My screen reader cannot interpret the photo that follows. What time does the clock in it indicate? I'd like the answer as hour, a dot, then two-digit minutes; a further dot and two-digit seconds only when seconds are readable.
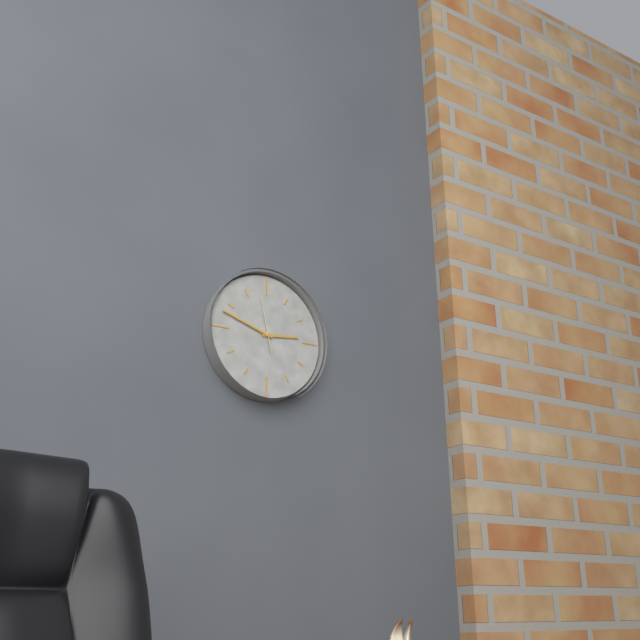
2.48
